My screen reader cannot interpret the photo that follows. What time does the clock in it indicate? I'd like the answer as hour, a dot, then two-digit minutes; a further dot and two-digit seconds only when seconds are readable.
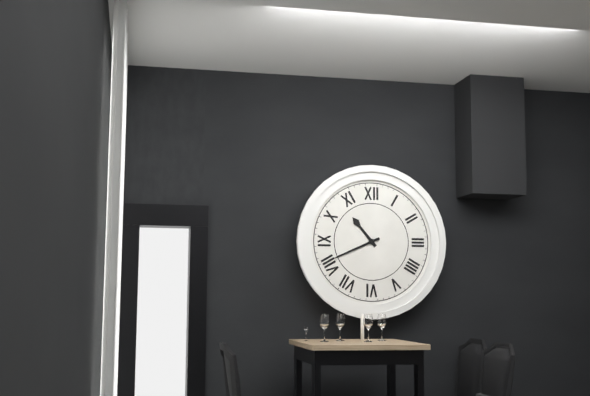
10.41
